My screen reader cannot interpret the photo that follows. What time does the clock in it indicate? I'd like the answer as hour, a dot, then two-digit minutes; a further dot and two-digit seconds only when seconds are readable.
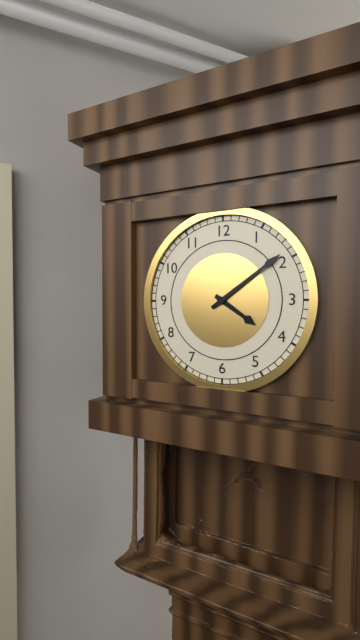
4.09
